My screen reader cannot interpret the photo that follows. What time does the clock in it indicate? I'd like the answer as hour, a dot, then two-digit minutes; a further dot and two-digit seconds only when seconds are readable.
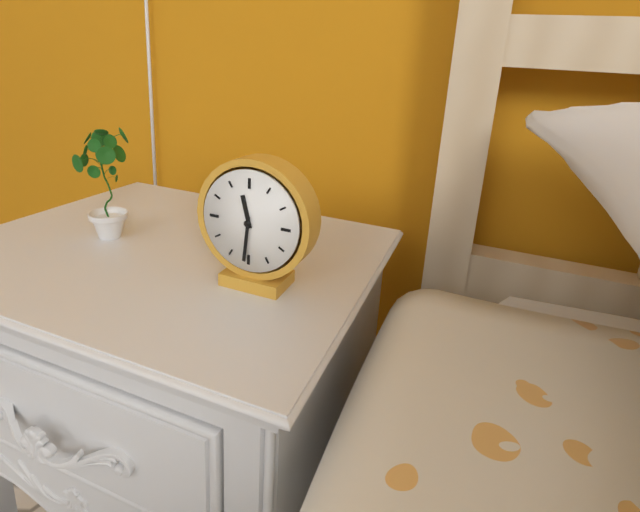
11.31
